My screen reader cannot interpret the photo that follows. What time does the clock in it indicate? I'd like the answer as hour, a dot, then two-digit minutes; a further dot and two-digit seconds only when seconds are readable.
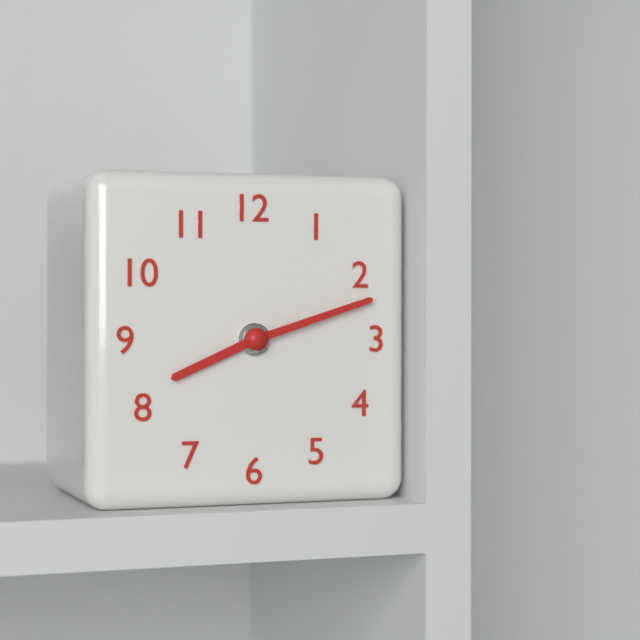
8.12
